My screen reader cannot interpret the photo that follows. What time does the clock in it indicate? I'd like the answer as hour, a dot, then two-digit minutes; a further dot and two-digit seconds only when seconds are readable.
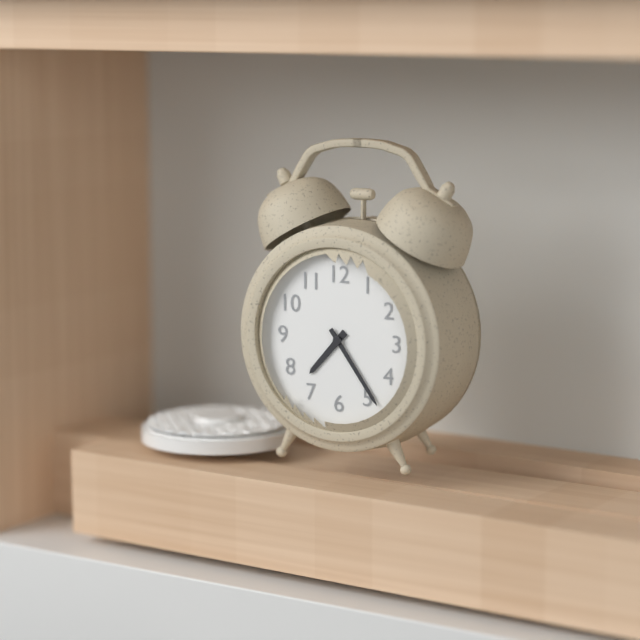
7.24
